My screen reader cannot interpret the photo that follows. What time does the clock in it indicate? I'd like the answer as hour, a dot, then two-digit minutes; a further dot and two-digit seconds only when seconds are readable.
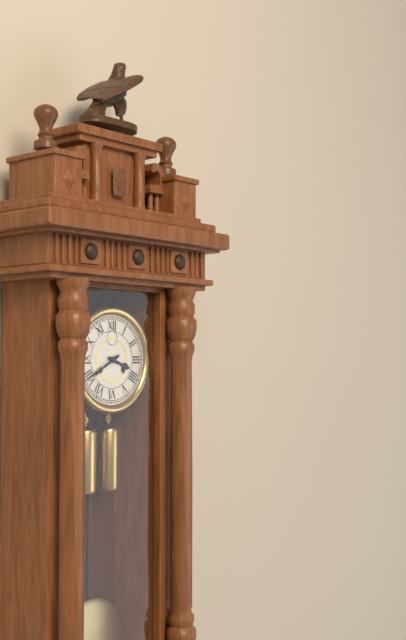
3.40
